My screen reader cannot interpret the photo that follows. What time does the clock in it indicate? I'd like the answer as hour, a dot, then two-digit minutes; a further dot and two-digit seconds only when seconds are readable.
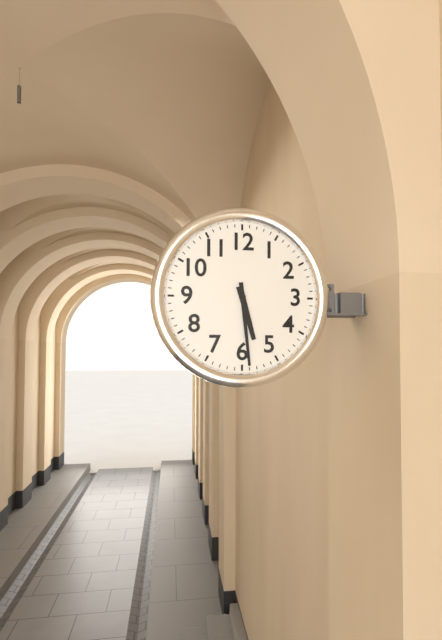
5.29
